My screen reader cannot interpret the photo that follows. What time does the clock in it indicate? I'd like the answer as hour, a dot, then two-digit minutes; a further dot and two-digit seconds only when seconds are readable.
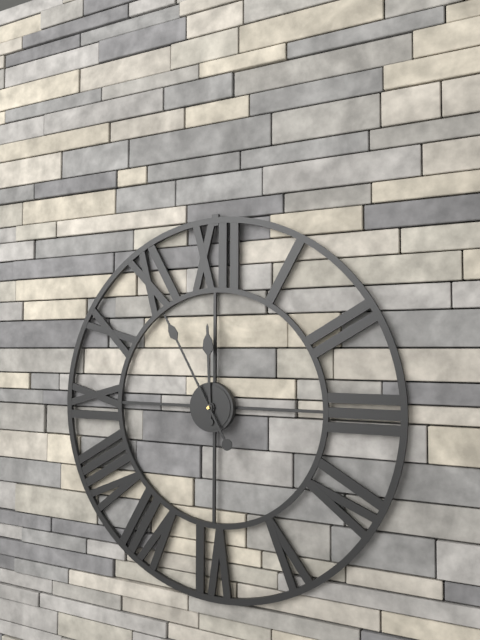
11.55
